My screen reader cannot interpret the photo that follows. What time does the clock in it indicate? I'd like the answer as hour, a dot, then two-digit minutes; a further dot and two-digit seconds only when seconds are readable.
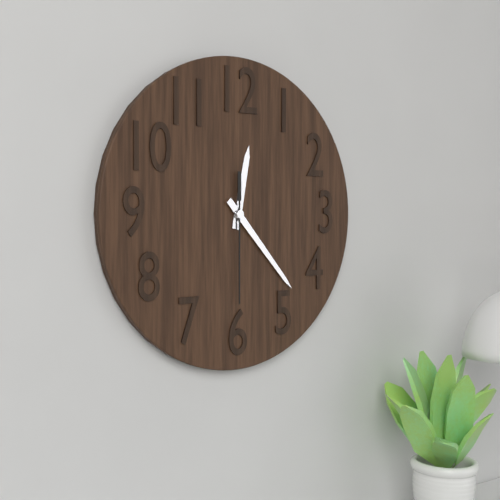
12.23.30
